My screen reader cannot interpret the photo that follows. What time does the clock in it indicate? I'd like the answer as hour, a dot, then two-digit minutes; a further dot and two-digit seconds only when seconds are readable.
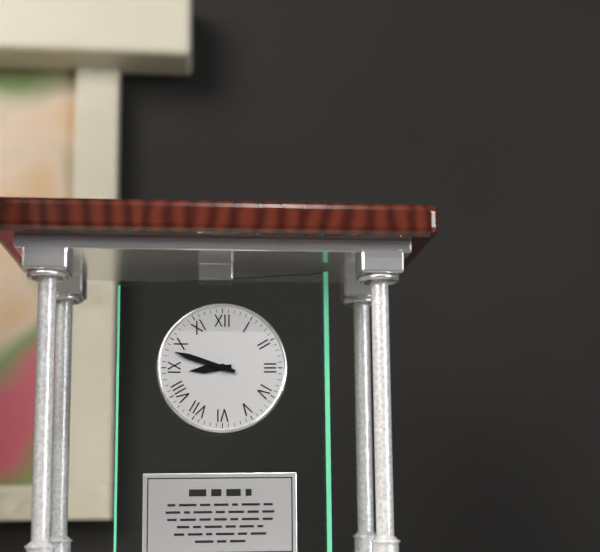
8.48
